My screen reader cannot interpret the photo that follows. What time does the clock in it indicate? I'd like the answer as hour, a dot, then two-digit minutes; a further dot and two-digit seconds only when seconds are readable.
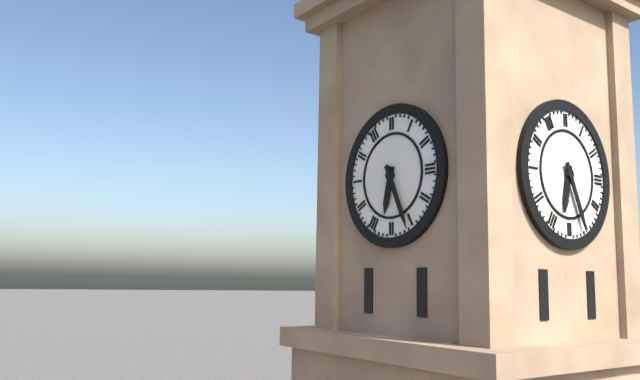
6.26
